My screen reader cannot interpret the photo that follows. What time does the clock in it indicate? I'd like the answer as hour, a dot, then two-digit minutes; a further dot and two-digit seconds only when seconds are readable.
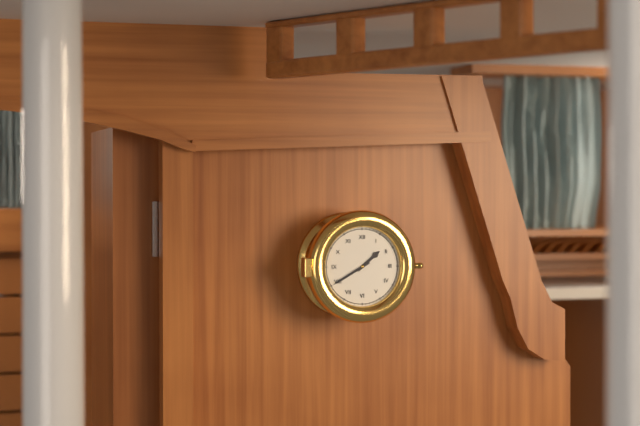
1.40
